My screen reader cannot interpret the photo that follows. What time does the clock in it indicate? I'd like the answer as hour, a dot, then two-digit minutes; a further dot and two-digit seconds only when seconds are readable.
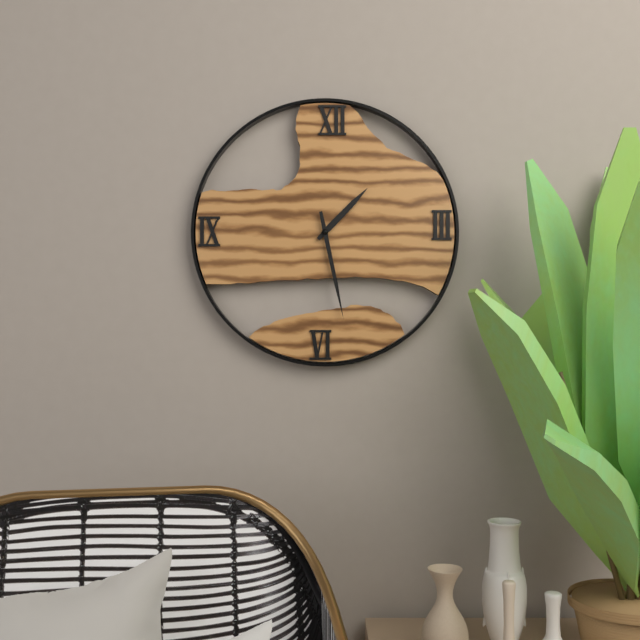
1.28
